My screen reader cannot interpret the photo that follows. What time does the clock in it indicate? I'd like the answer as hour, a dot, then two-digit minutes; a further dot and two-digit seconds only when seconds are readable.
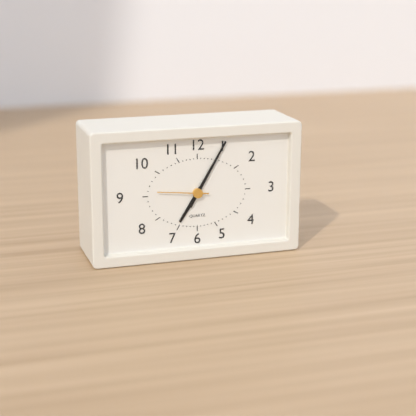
7.05.46
